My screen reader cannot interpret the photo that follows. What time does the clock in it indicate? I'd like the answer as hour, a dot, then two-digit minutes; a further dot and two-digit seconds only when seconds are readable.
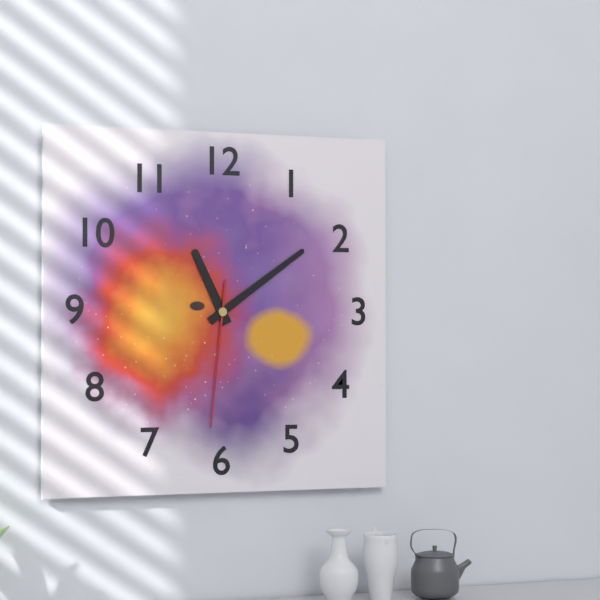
11.09.31
